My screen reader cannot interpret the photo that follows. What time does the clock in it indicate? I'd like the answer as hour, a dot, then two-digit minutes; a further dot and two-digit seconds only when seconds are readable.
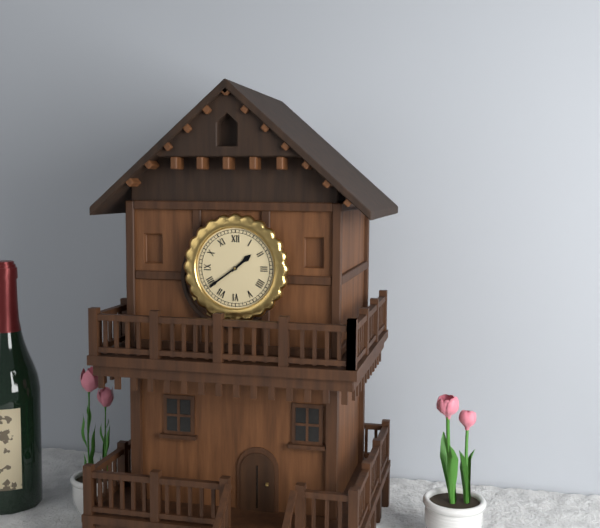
1.39
